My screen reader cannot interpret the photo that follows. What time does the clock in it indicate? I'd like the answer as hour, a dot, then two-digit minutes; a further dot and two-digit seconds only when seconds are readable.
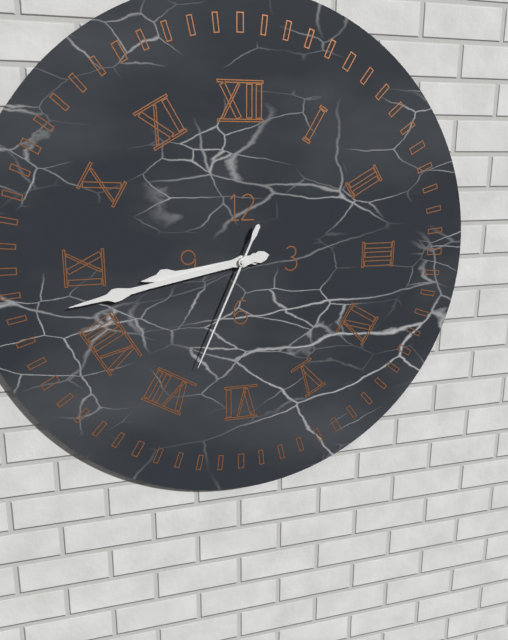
8.43.34
